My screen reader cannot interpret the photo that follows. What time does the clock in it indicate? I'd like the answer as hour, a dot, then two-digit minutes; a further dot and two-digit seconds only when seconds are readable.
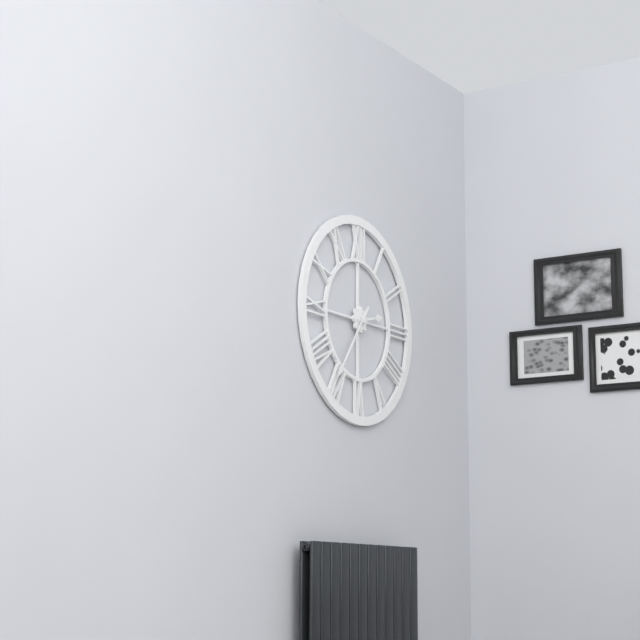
2.36
